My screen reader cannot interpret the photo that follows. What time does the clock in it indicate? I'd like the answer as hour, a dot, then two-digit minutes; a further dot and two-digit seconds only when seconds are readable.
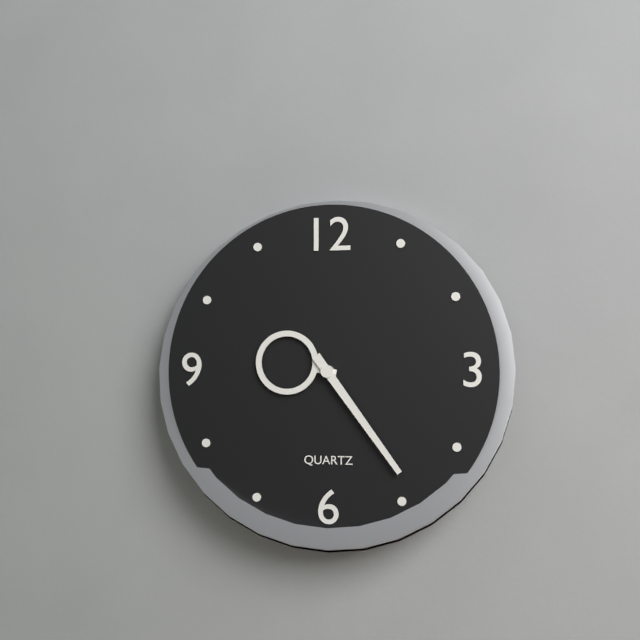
9.24
